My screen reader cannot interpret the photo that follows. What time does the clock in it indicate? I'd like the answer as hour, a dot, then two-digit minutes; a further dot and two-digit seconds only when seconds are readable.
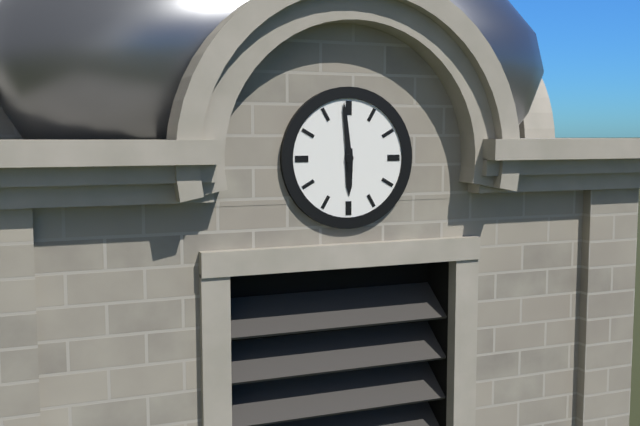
5.59
